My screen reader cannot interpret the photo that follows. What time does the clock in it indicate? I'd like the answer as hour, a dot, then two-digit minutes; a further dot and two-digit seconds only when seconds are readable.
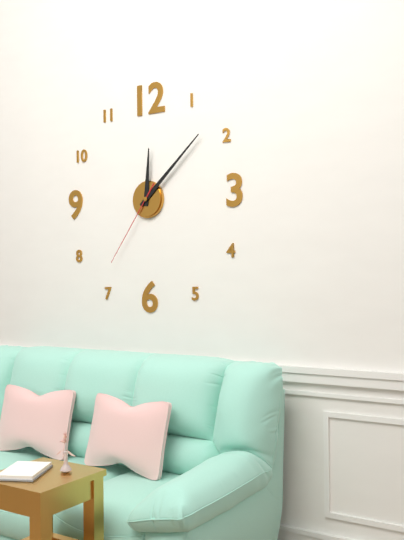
12.08.36
